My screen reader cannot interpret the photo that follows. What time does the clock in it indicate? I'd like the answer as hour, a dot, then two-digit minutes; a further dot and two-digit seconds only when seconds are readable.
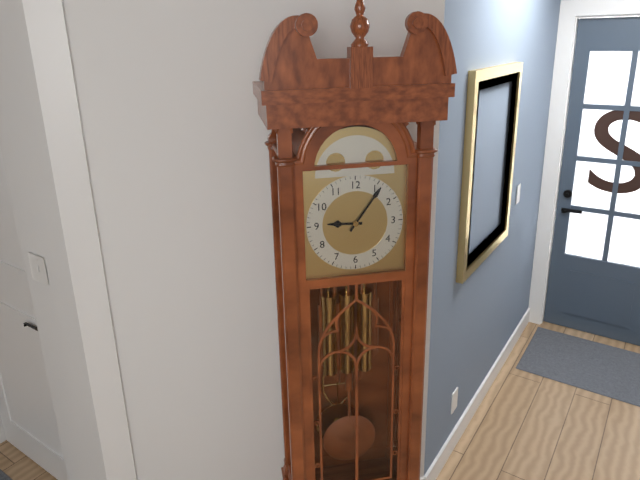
9.06
